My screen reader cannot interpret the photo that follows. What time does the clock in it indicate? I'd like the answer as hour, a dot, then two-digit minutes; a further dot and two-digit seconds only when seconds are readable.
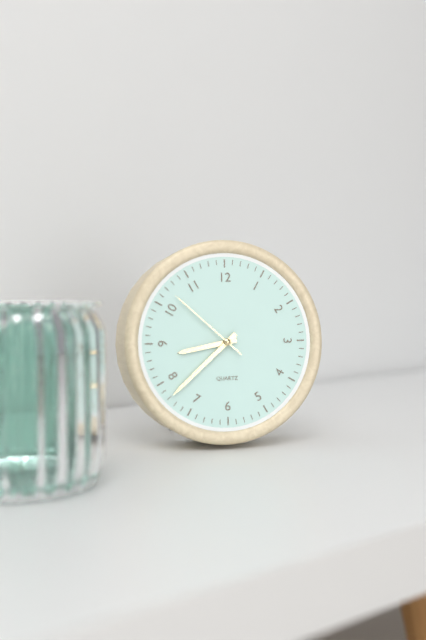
8.38.52
